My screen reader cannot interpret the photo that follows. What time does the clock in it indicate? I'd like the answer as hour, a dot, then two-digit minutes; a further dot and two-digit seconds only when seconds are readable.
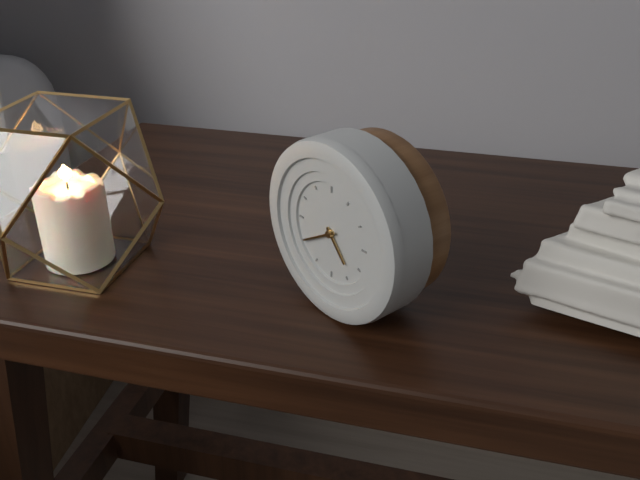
4.40
